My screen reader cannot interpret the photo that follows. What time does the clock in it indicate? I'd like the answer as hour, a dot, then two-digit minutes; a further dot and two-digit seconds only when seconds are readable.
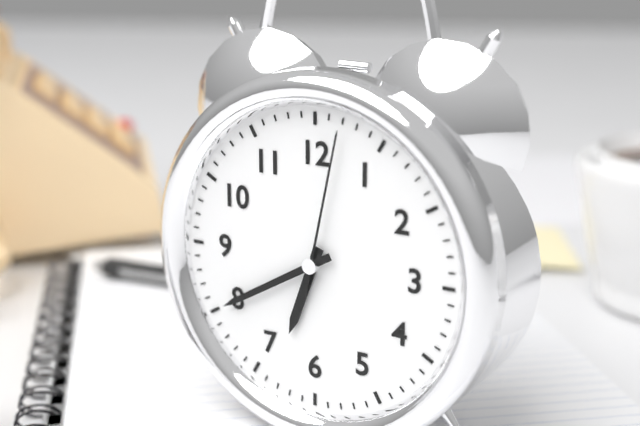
6.40.02
